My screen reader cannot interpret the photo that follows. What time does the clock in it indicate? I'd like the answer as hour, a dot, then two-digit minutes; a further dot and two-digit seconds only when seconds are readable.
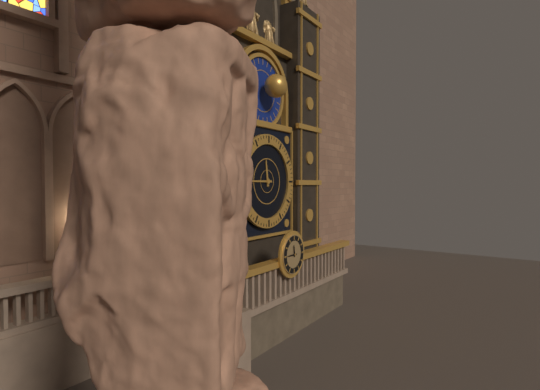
11.45
